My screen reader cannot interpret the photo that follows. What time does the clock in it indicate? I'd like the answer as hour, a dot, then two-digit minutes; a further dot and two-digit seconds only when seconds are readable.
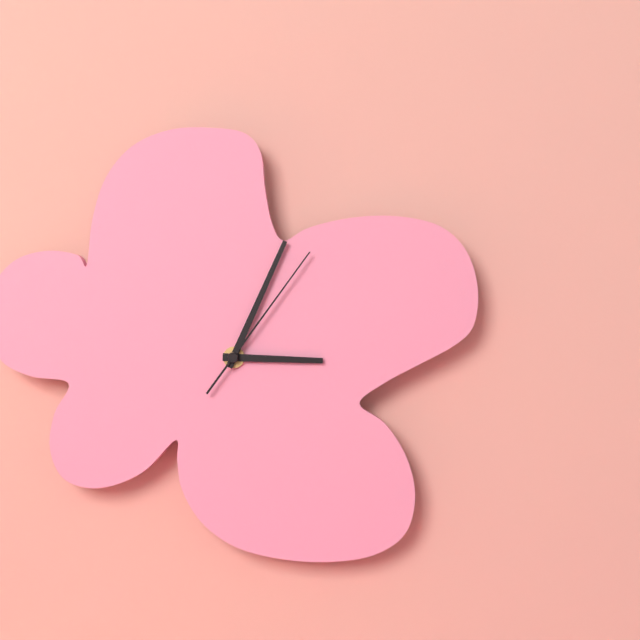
3.04.06
